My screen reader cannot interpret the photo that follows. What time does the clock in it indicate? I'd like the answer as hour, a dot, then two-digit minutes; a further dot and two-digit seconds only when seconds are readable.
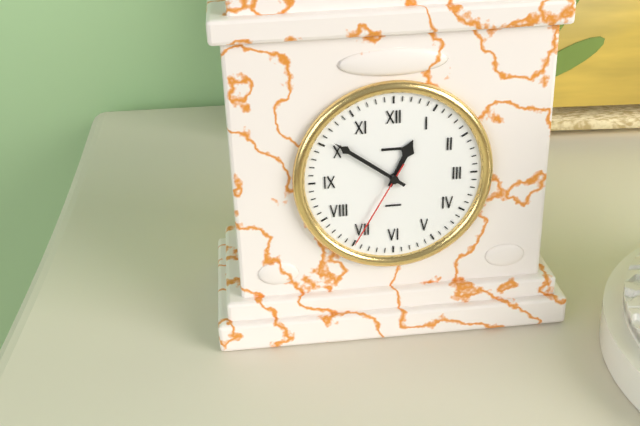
12.51.35
